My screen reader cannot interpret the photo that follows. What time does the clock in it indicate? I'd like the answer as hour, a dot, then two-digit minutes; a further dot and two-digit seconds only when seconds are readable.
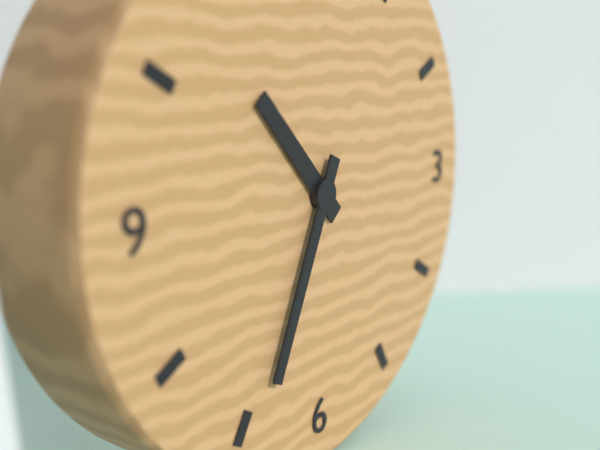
10.34
